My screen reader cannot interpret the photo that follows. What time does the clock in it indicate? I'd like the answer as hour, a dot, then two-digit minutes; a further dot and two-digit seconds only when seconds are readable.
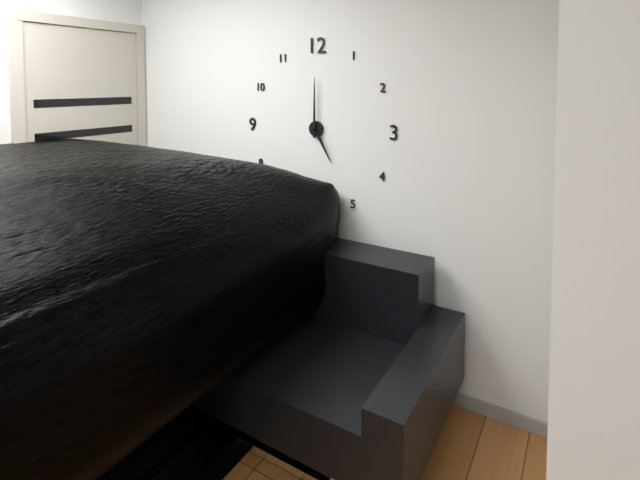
5.00
